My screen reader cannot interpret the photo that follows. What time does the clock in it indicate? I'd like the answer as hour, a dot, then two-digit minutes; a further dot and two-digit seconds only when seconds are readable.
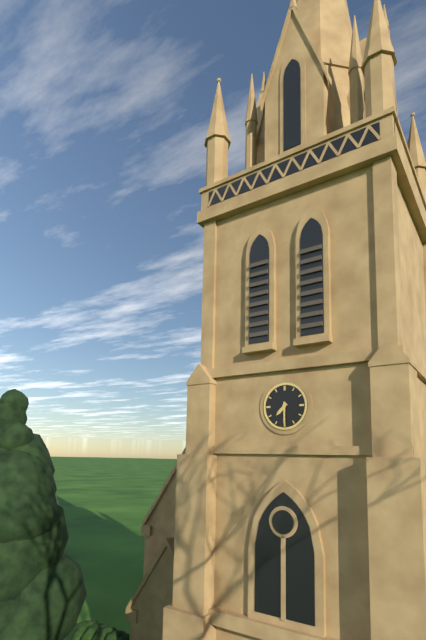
7.30
